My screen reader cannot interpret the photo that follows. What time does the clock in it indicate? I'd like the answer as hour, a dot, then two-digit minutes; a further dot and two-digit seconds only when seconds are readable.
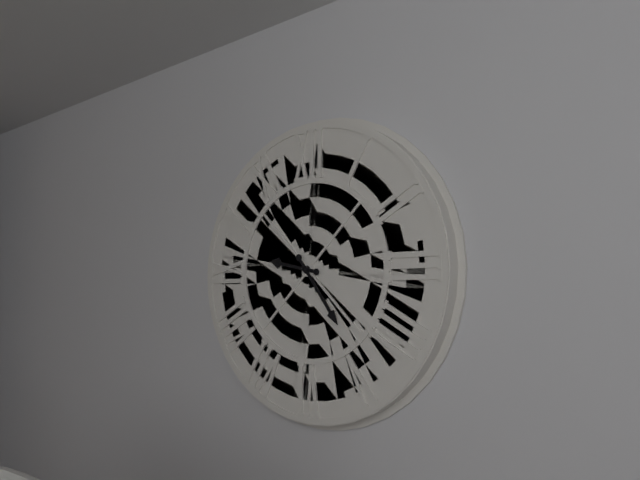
9.24
